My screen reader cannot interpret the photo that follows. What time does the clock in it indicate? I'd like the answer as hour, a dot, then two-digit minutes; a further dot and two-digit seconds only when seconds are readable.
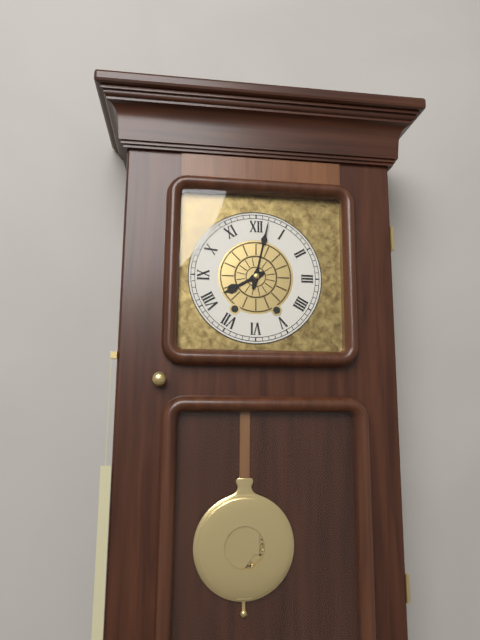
8.02
